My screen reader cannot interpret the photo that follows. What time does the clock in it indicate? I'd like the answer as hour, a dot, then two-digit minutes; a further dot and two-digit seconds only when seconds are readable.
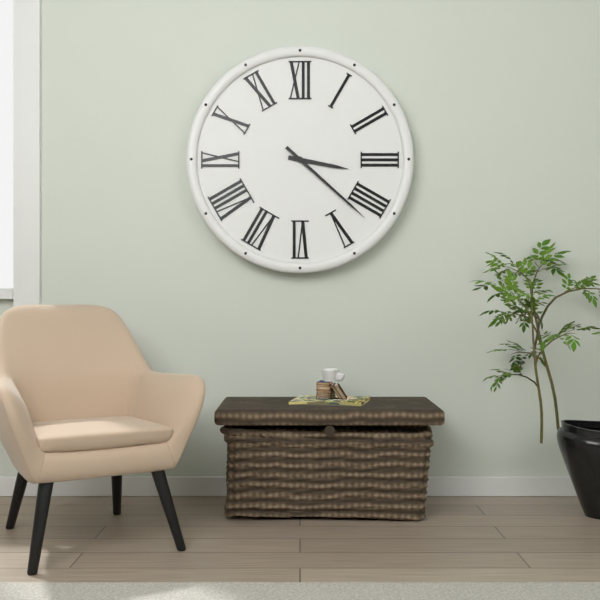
3.22
